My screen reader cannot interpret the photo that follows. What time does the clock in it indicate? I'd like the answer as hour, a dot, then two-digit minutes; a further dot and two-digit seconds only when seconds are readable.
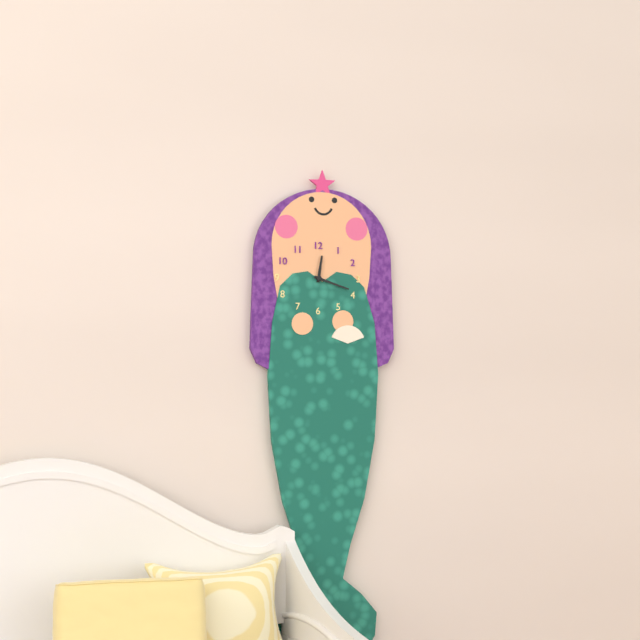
12.18
